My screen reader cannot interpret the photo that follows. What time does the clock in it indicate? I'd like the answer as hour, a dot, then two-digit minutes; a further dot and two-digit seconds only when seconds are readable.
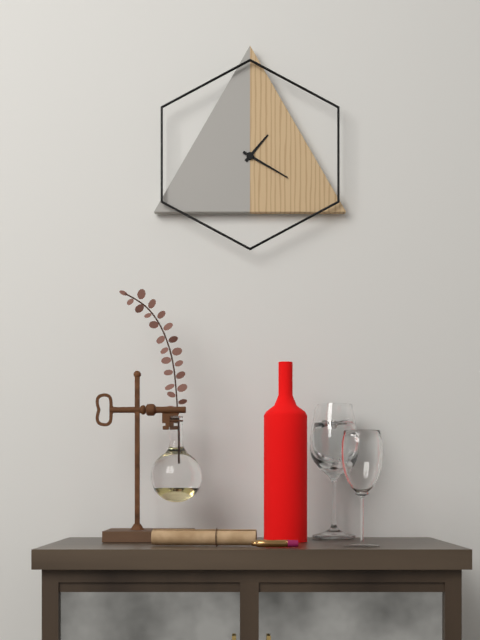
1.20
